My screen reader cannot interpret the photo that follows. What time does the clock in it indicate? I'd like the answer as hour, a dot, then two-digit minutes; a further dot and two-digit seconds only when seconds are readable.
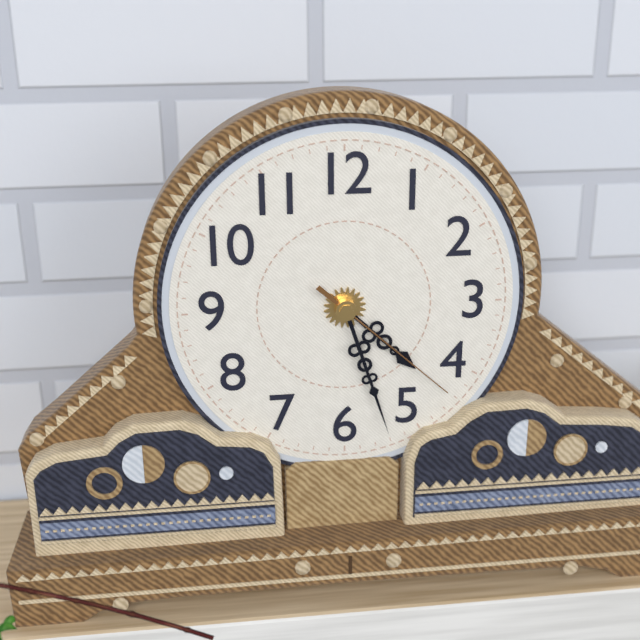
4.27.22
